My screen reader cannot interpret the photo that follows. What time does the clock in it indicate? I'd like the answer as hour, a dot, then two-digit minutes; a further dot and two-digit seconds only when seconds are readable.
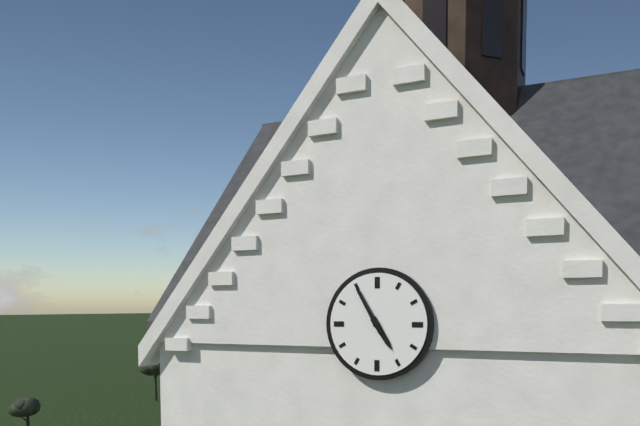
4.55
